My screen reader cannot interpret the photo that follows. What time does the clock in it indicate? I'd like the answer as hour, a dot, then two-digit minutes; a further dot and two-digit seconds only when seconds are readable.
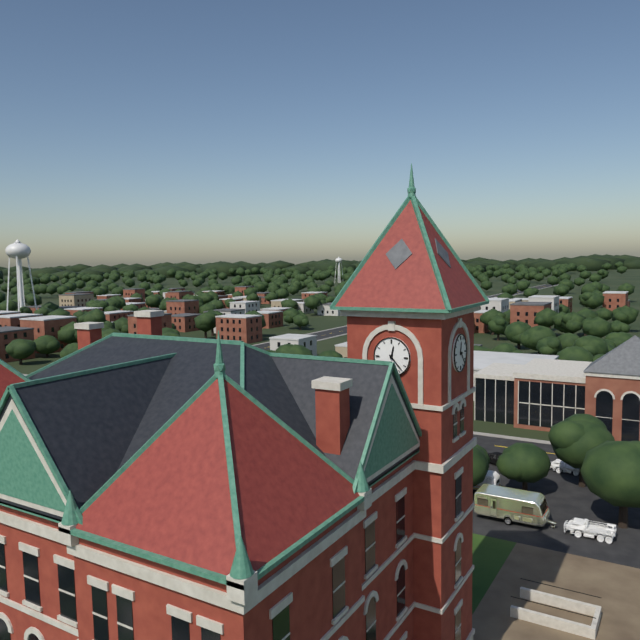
12.23
